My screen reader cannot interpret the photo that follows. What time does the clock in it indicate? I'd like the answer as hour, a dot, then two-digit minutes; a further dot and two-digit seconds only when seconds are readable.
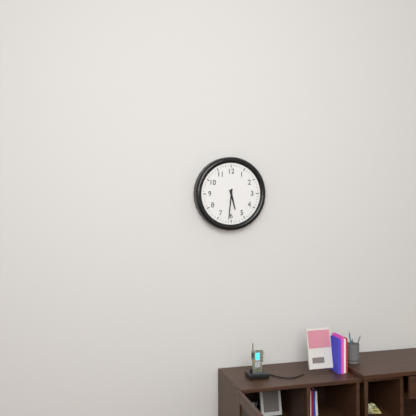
5.31
